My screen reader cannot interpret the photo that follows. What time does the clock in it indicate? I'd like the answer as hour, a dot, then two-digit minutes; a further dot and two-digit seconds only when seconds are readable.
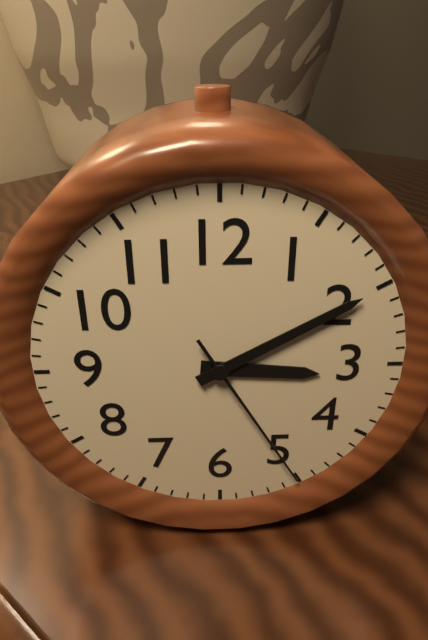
3.10.25
